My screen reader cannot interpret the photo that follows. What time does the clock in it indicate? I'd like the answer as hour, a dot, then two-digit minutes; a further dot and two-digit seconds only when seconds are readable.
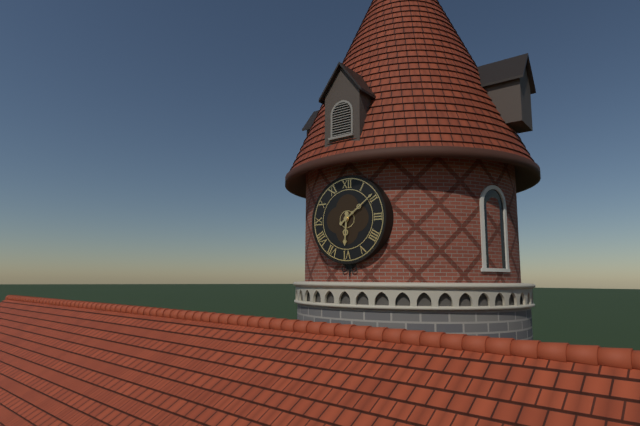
6.09
